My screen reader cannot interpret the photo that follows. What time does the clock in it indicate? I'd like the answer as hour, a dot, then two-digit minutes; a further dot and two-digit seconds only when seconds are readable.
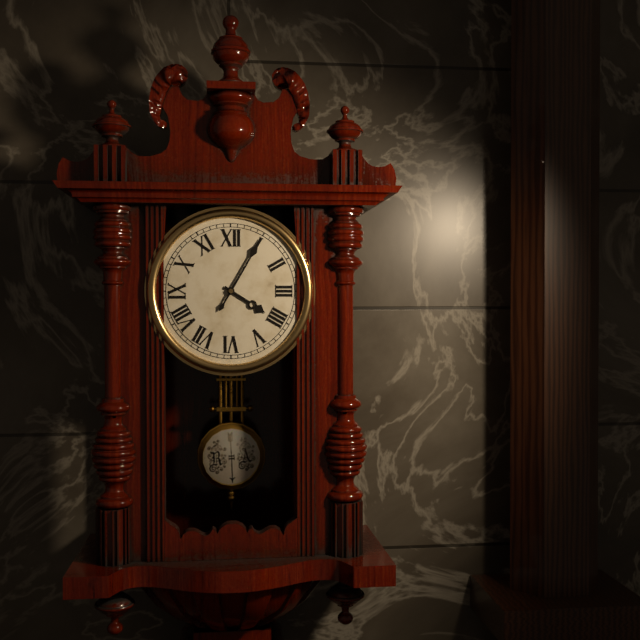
4.05
